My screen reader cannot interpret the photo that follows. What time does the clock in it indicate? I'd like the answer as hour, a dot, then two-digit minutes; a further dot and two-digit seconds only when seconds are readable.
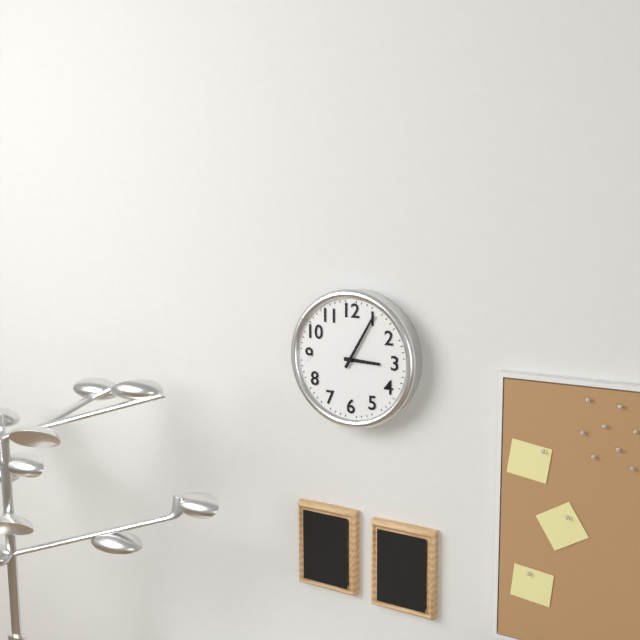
3.05
